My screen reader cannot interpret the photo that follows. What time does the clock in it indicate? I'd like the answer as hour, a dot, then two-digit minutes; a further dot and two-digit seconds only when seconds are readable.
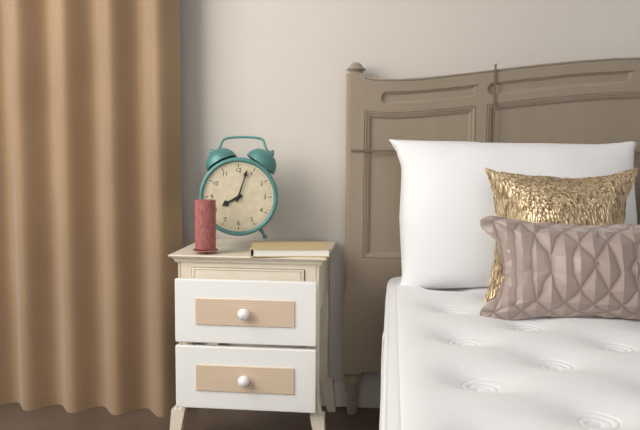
8.03
